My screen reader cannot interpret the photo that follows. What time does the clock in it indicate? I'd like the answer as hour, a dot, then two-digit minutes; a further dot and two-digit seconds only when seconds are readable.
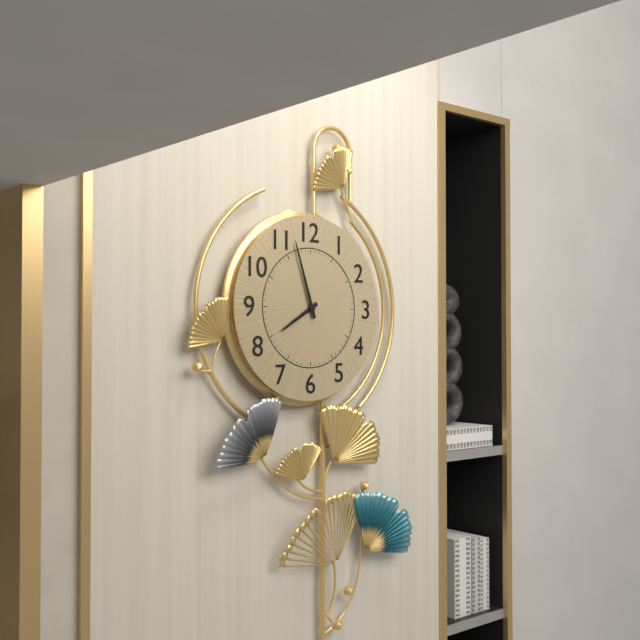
7.57
